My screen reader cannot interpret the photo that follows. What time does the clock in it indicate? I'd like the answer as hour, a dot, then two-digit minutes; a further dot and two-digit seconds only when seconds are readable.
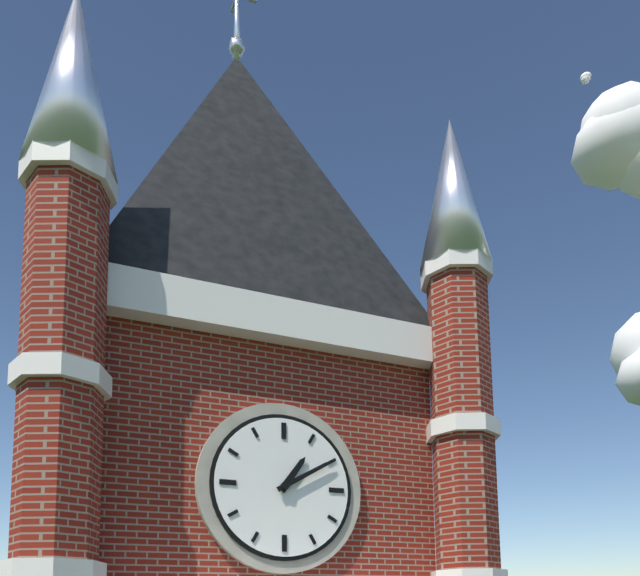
1.10
